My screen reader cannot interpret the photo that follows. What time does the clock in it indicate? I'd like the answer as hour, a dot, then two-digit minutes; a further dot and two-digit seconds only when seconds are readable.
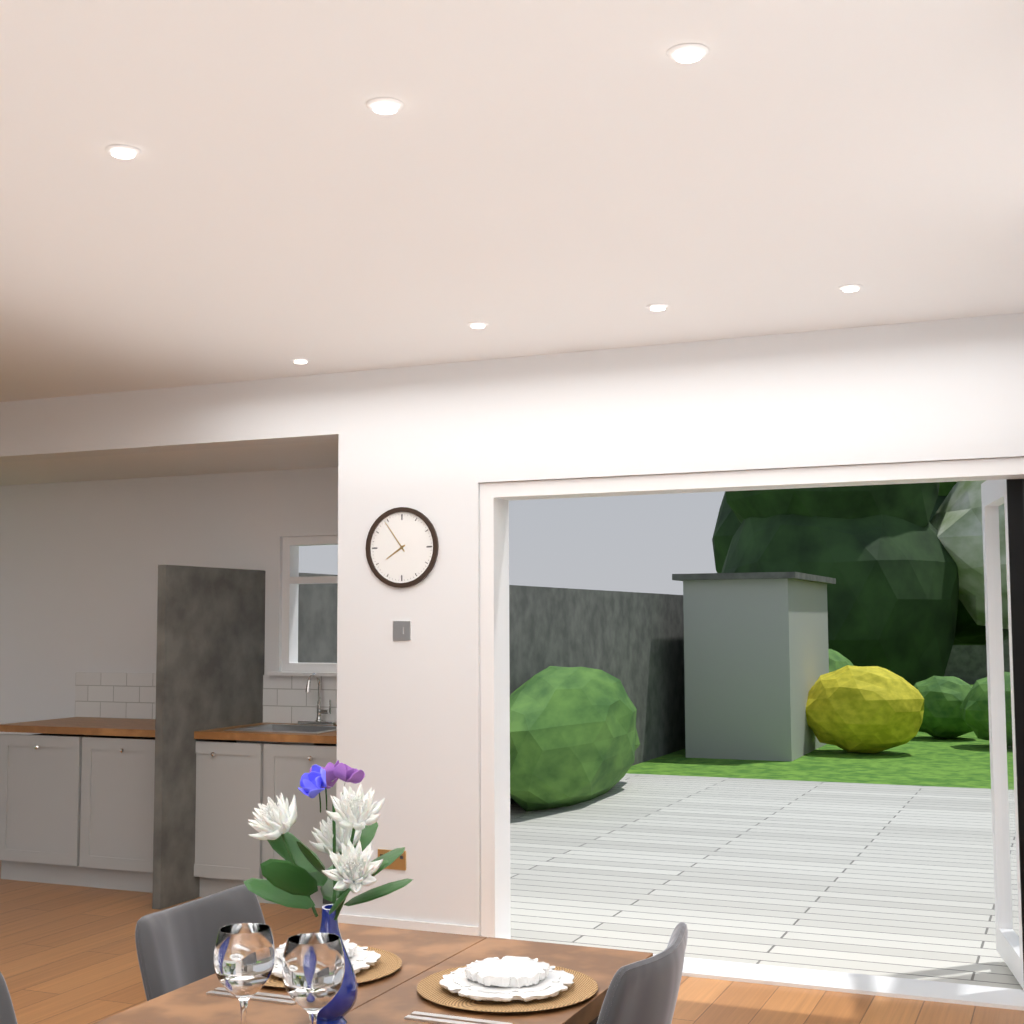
7.54
